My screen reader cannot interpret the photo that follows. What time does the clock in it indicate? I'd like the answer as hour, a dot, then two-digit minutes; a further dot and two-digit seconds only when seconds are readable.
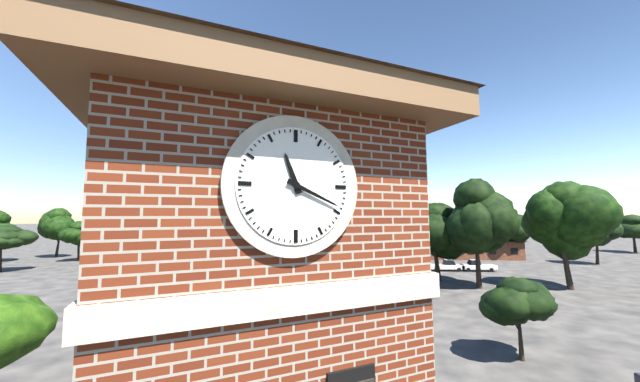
11.19
